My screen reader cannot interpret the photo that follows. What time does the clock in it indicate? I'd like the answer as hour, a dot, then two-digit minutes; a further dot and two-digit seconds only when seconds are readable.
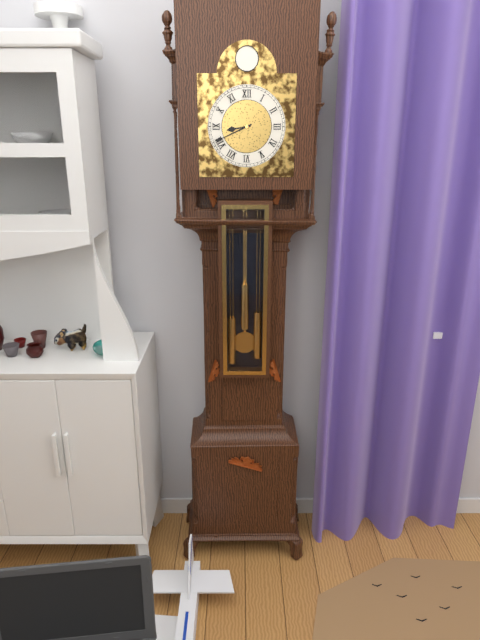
8.41
